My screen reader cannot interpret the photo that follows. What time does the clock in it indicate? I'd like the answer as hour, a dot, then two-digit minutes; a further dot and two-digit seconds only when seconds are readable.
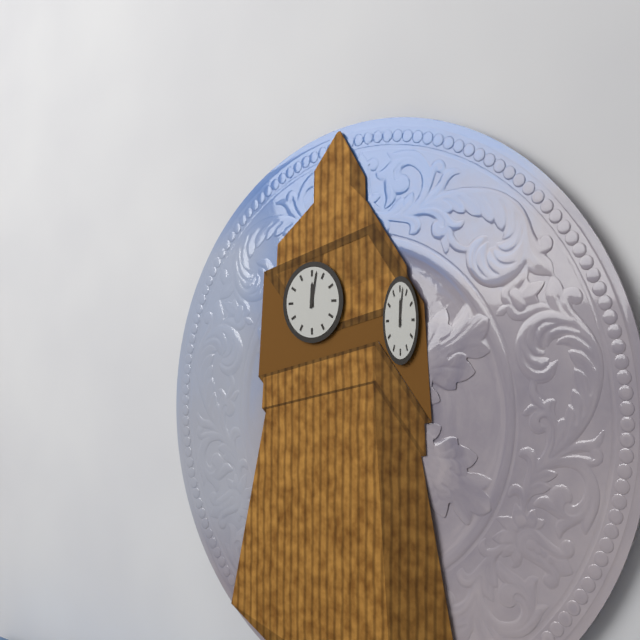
12.02
